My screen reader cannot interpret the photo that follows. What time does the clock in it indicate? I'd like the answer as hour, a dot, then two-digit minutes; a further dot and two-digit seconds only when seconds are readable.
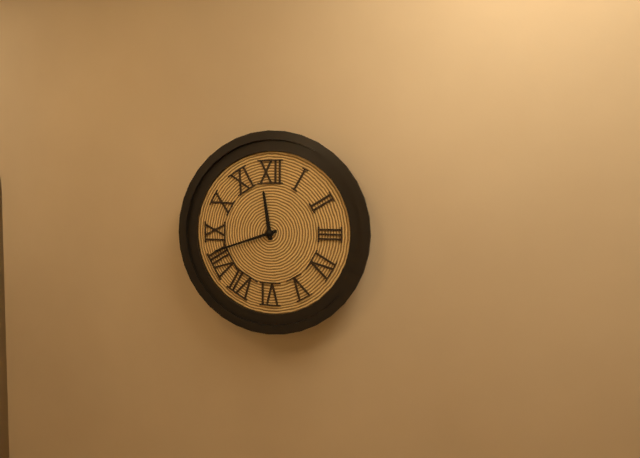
11.42
